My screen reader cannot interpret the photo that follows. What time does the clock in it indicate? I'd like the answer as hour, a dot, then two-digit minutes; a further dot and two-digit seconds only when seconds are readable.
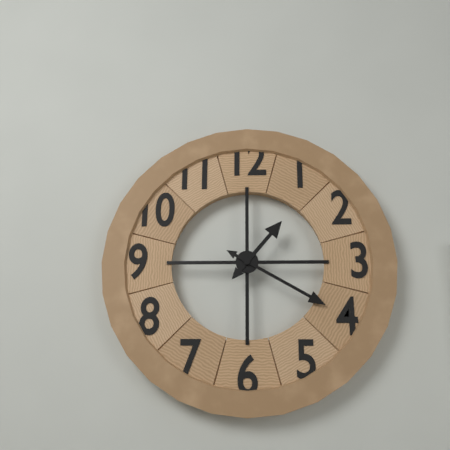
1.20
